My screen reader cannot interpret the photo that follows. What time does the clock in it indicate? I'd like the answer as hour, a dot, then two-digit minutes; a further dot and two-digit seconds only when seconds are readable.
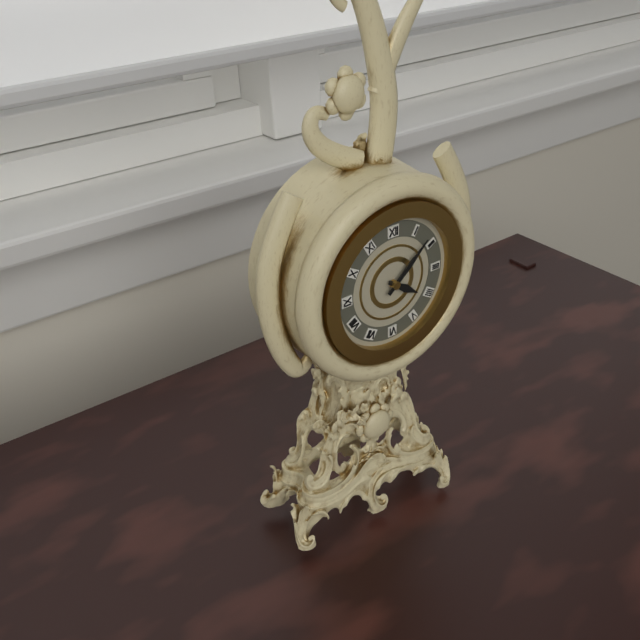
4.08
